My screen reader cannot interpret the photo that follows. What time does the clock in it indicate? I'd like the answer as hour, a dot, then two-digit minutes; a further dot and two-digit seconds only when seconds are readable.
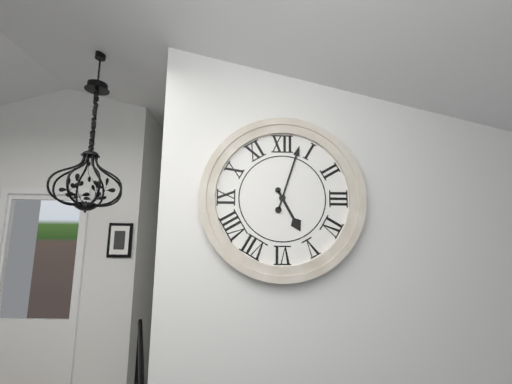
5.03
